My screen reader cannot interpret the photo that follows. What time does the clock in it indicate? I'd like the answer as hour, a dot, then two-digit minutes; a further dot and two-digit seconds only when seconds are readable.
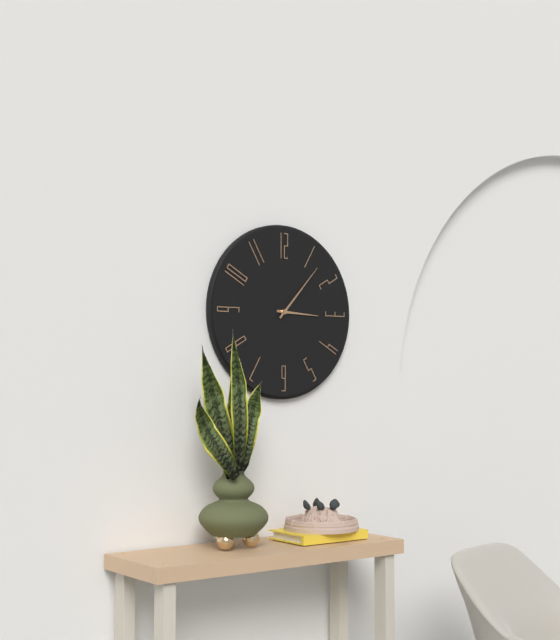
3.07
